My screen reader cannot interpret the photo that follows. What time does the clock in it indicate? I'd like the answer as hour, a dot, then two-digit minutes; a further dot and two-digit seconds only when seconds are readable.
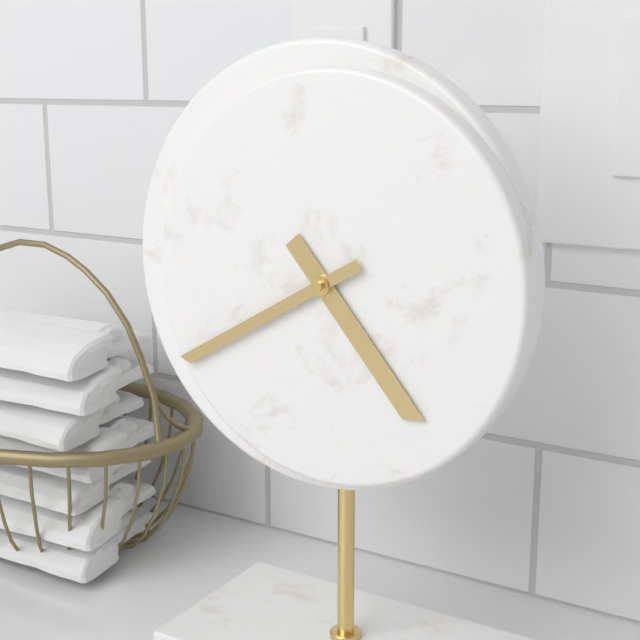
4.40
